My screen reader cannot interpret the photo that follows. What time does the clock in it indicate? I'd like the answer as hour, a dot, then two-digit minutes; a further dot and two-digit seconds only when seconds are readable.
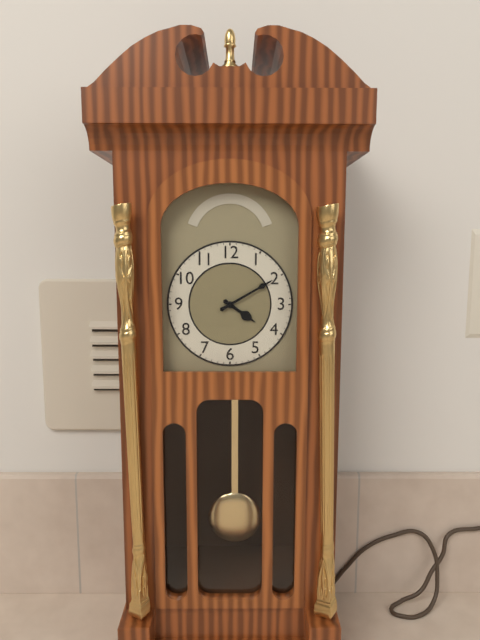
4.10
